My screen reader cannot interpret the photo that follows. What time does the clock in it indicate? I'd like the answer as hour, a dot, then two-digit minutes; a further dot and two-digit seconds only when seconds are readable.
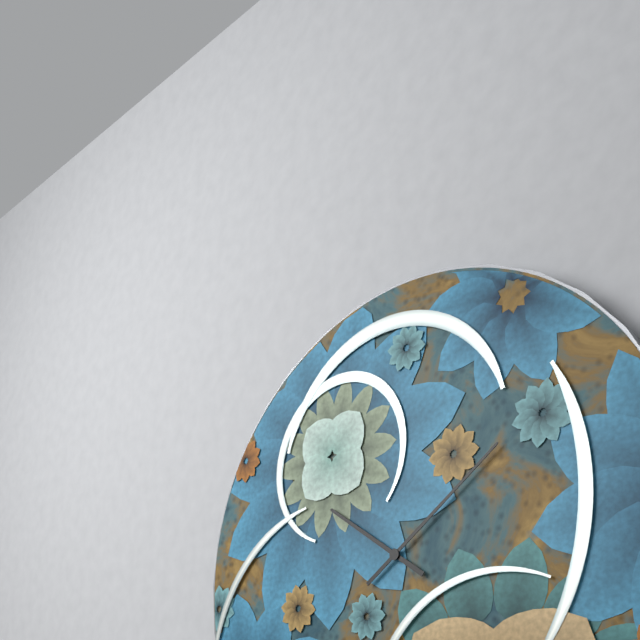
10.09
